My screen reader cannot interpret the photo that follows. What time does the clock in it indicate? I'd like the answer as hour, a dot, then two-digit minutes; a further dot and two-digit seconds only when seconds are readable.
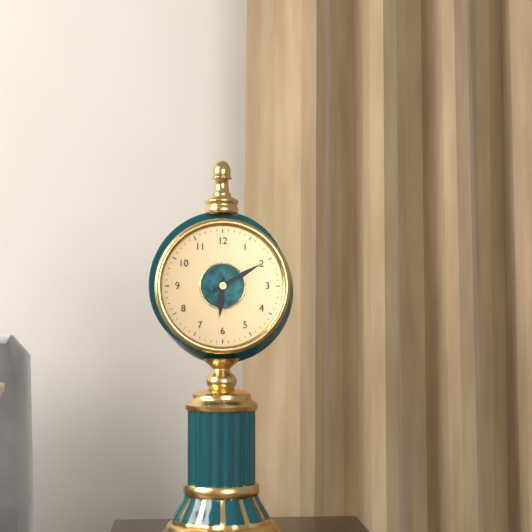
6.10
